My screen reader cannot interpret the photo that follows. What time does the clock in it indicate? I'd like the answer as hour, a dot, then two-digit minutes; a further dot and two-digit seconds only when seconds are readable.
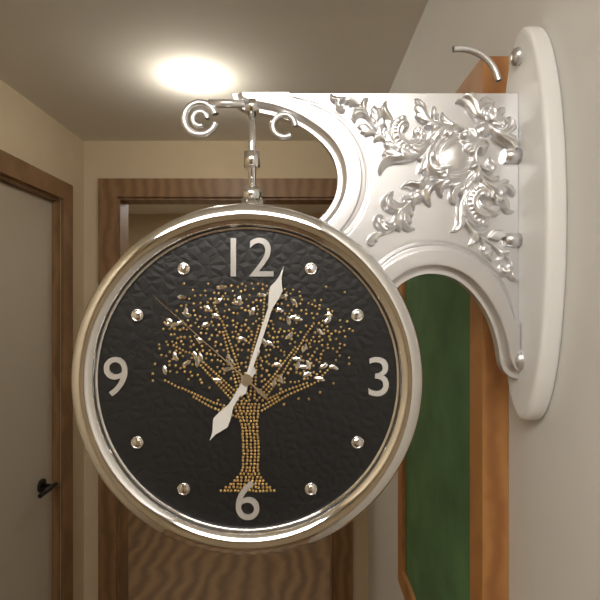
7.03.52
